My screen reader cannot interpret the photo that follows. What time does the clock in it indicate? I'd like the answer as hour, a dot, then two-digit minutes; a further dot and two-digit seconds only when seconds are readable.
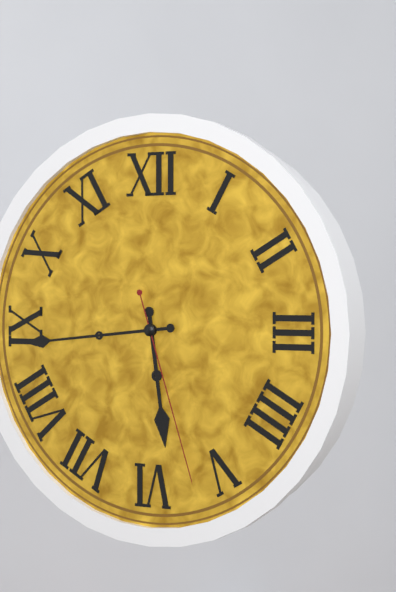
5.44.27
